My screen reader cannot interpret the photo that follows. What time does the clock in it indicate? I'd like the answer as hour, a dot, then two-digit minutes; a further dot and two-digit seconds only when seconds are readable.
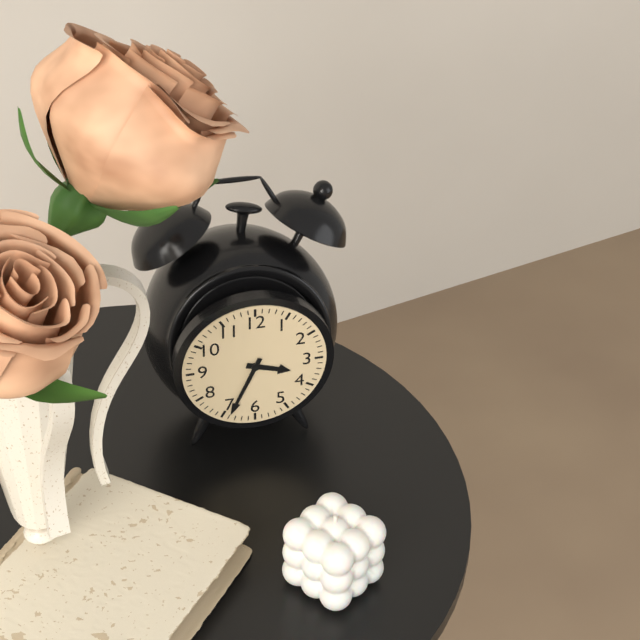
3.34
